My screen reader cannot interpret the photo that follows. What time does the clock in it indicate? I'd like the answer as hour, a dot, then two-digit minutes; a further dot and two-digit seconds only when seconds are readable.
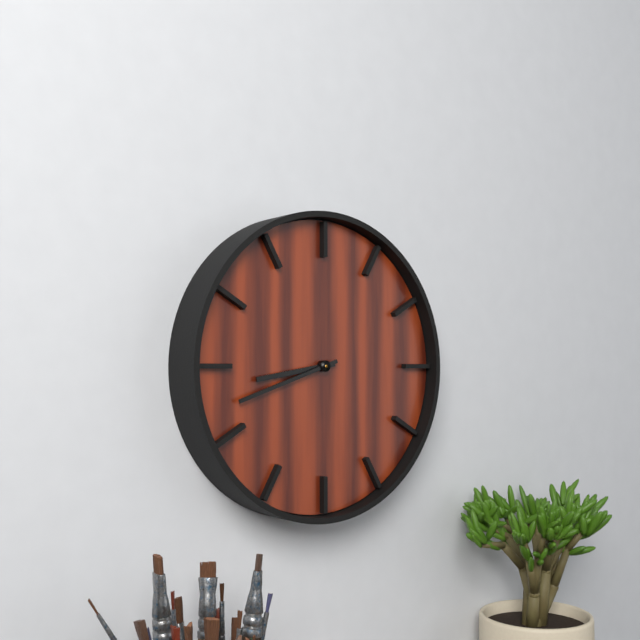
8.42
